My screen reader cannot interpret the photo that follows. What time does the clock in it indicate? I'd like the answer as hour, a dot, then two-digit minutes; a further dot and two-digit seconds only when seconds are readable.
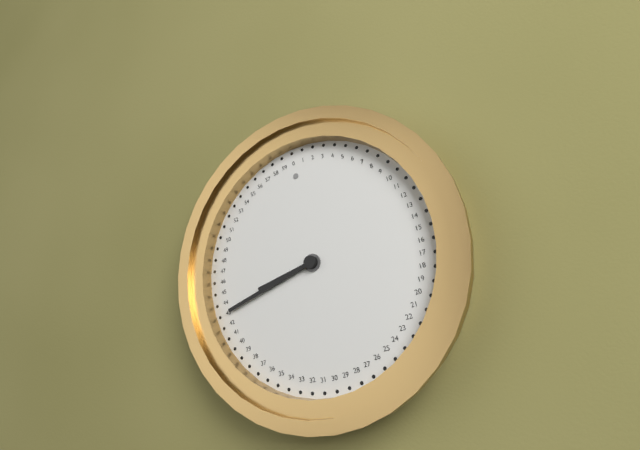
8.43
